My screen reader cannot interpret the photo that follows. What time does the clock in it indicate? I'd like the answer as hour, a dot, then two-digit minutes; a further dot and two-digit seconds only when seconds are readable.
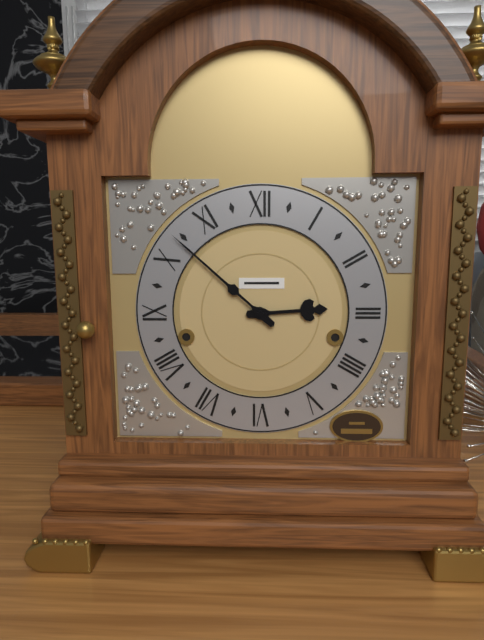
2.52
